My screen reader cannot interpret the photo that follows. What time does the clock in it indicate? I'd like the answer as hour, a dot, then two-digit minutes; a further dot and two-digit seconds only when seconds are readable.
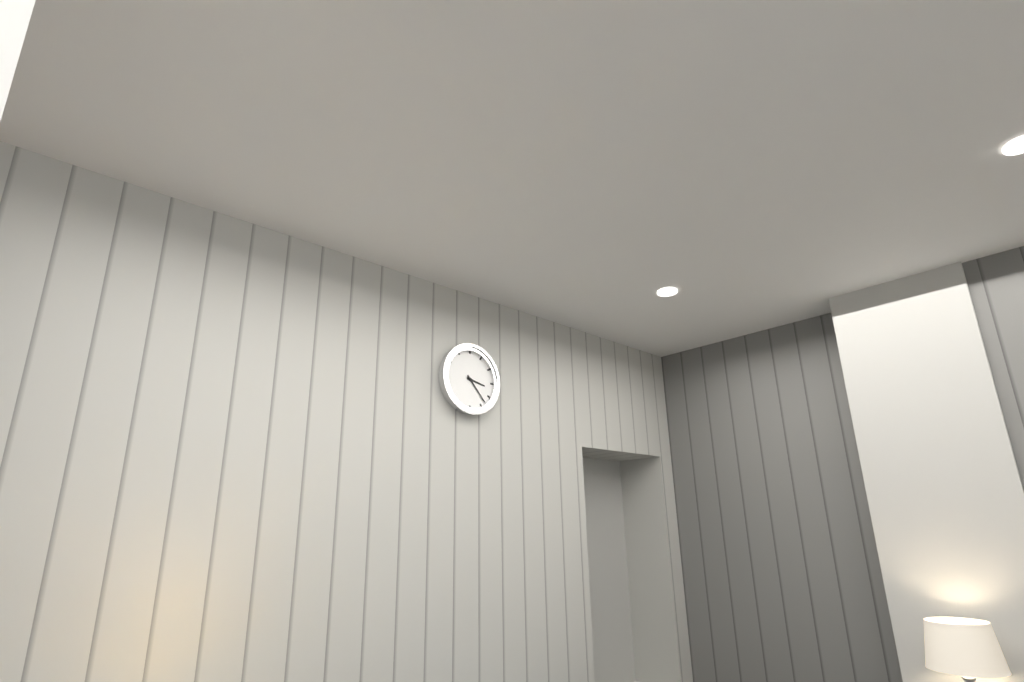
3.23
